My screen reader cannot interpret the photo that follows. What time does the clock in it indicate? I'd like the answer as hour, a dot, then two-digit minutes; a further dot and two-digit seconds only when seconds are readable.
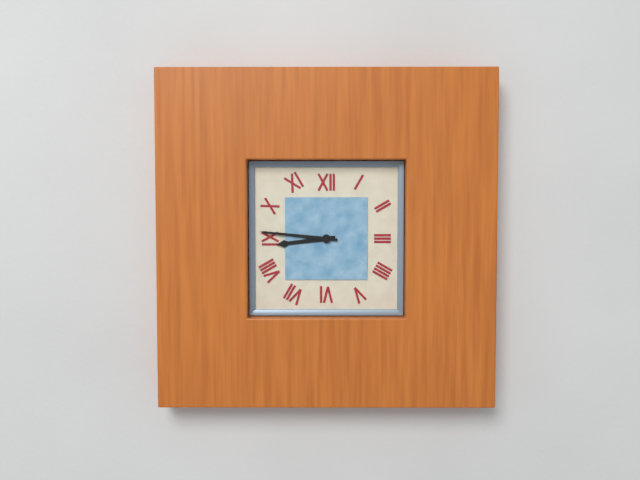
8.46
